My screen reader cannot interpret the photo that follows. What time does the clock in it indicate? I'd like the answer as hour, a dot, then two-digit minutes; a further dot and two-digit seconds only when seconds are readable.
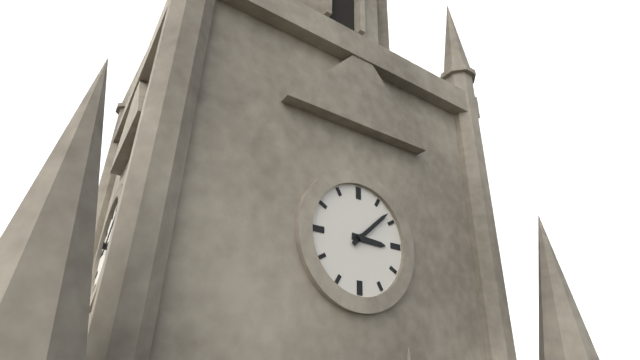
3.08
